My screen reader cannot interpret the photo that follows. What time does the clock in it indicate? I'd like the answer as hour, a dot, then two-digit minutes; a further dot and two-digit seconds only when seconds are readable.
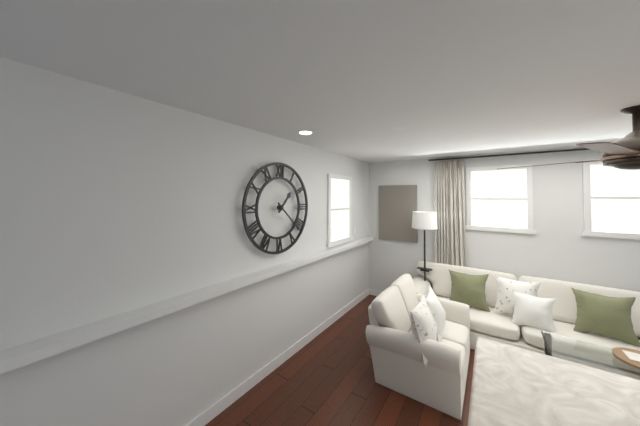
1.22
